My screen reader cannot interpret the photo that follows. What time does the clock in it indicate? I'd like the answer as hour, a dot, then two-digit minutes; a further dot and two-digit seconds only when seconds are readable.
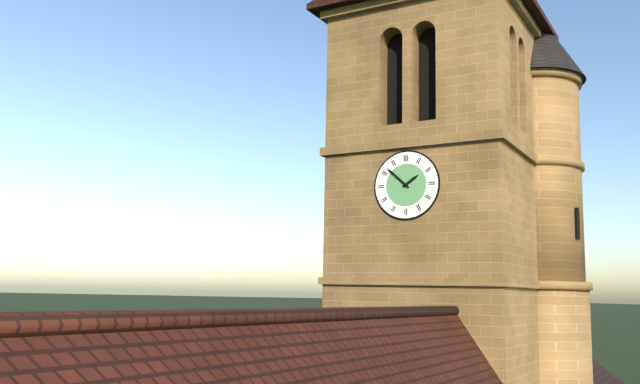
1.52
